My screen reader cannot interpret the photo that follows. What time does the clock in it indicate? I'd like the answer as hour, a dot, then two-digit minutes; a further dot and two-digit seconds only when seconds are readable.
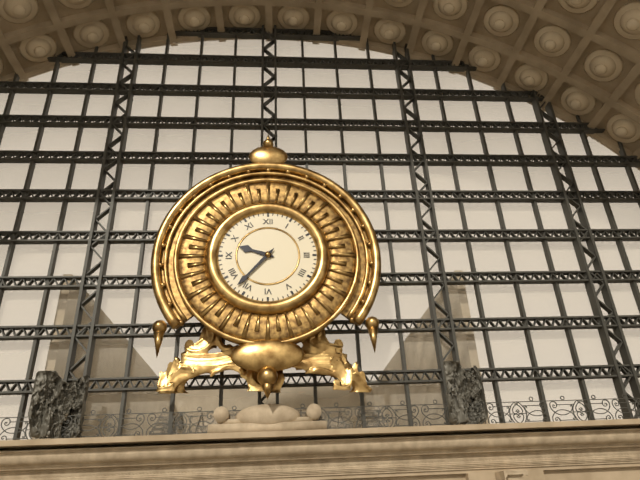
9.37
